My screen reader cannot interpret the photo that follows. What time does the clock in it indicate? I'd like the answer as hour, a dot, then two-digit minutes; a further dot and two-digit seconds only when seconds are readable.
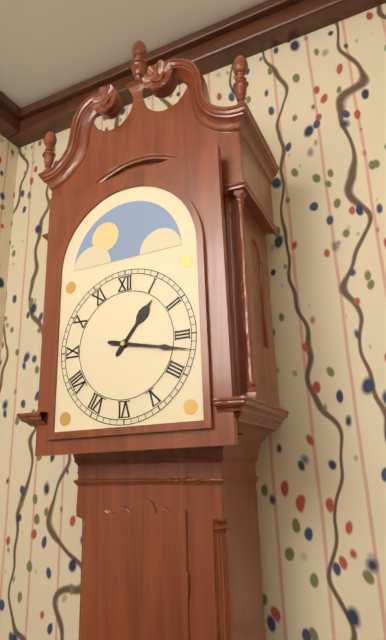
1.17
